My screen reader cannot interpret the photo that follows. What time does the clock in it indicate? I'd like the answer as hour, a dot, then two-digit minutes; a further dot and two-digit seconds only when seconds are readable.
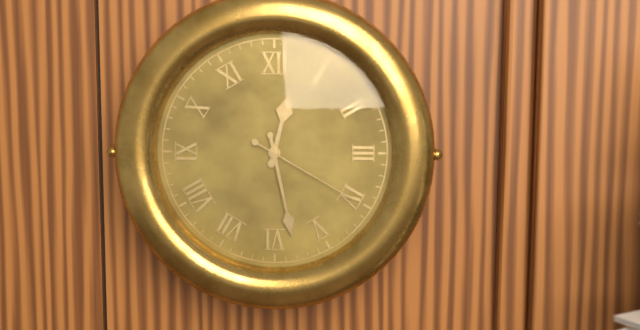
12.28.20
